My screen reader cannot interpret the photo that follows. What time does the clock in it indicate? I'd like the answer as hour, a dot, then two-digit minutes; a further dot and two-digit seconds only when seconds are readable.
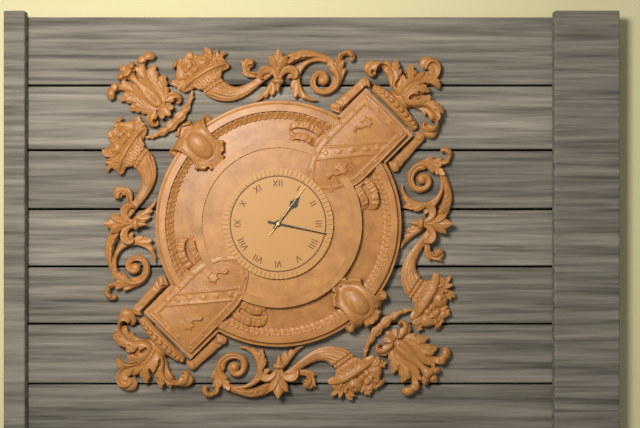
1.17.06
